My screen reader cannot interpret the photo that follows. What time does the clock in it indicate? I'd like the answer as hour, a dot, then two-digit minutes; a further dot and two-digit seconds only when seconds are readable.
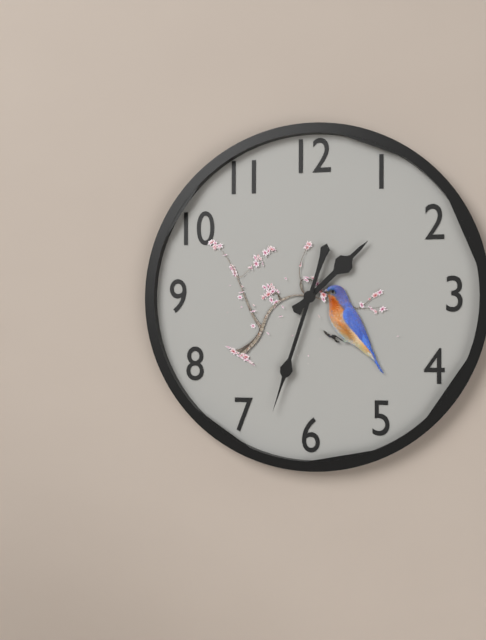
1.33
